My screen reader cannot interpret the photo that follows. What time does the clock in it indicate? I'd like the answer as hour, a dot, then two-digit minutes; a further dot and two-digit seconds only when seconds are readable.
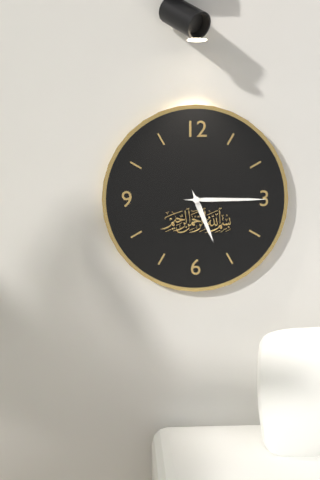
5.15
